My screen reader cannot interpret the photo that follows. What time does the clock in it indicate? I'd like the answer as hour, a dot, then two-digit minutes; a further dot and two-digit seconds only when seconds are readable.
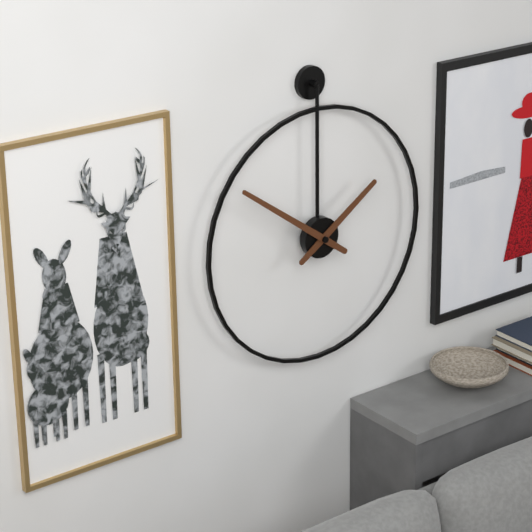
1.51
